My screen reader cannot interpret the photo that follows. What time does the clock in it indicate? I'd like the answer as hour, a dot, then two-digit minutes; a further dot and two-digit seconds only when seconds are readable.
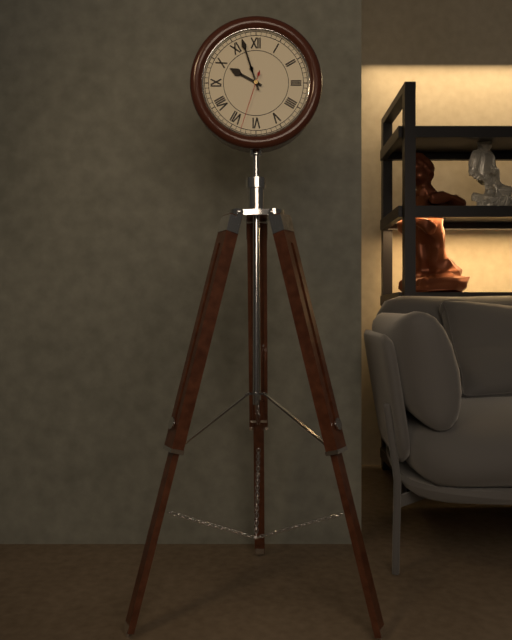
9.57.33
